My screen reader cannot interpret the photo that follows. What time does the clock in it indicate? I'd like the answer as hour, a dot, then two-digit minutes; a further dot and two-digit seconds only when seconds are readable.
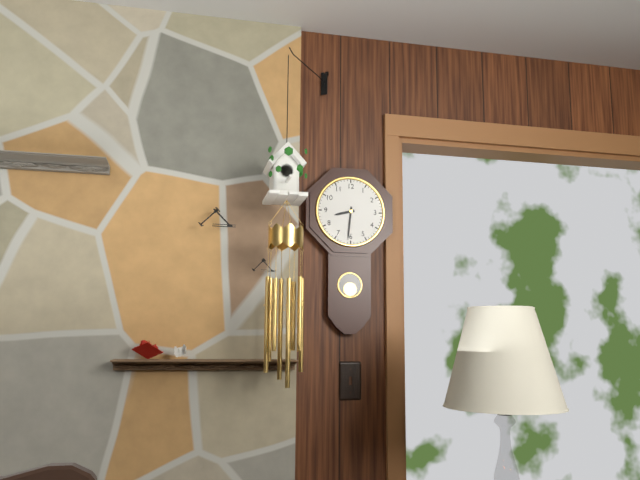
8.31
